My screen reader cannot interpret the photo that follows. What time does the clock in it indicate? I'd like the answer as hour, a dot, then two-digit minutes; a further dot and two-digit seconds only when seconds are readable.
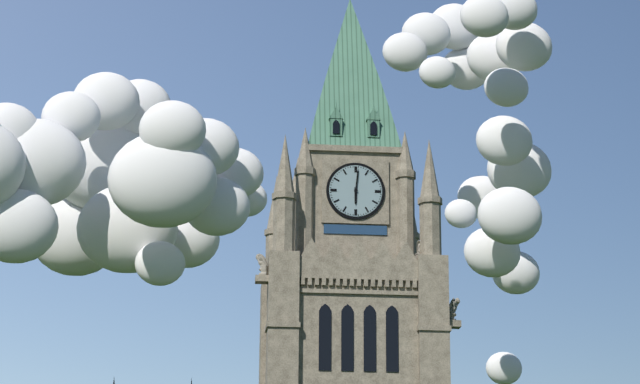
6.01
